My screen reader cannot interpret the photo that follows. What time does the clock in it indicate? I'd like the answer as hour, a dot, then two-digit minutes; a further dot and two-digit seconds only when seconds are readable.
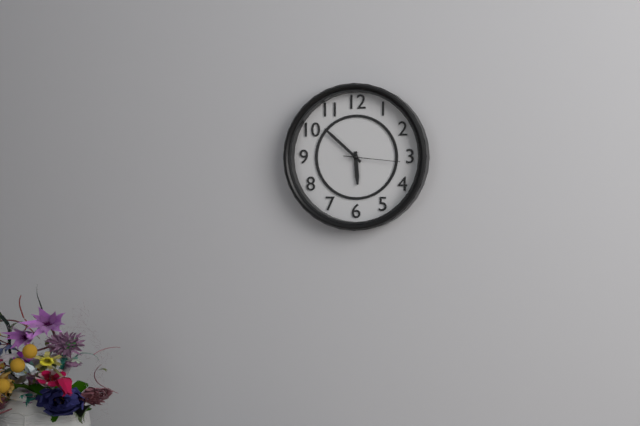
5.52.16
